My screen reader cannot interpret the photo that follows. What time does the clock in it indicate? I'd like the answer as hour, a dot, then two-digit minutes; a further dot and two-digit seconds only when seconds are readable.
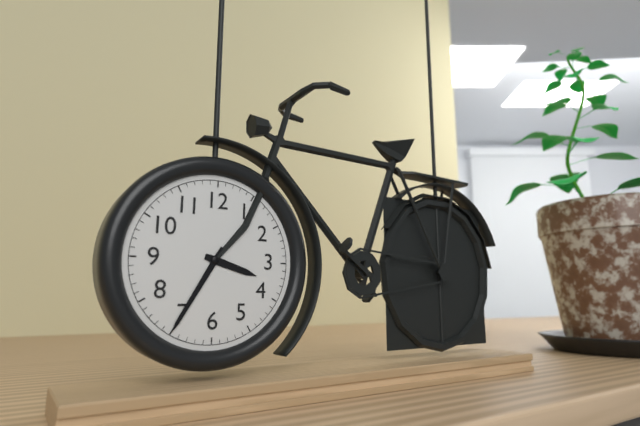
3.35
